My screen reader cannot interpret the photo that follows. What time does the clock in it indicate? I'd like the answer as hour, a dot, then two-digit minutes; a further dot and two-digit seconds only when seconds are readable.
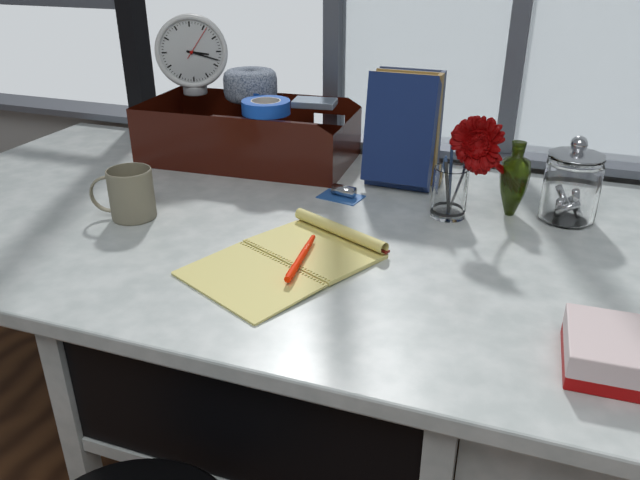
3.18
